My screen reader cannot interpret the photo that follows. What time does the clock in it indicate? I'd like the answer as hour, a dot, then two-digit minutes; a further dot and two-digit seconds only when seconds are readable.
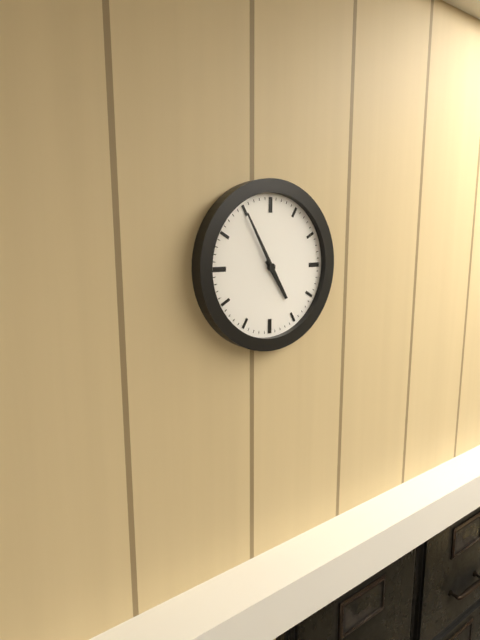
4.55
